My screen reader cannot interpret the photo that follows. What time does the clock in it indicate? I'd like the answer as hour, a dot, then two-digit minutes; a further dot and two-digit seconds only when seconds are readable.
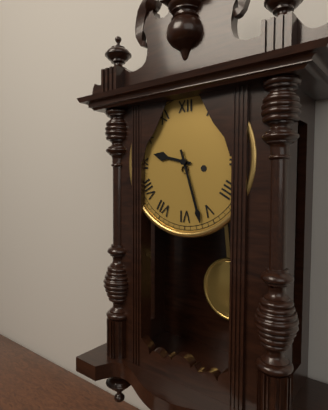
9.27
